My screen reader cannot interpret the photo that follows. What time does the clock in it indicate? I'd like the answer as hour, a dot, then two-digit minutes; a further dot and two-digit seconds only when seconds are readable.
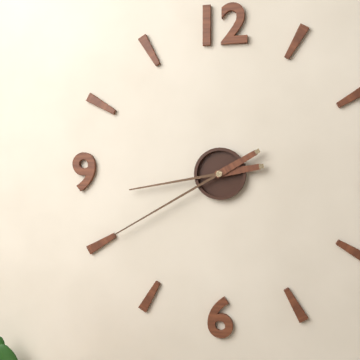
8.40
